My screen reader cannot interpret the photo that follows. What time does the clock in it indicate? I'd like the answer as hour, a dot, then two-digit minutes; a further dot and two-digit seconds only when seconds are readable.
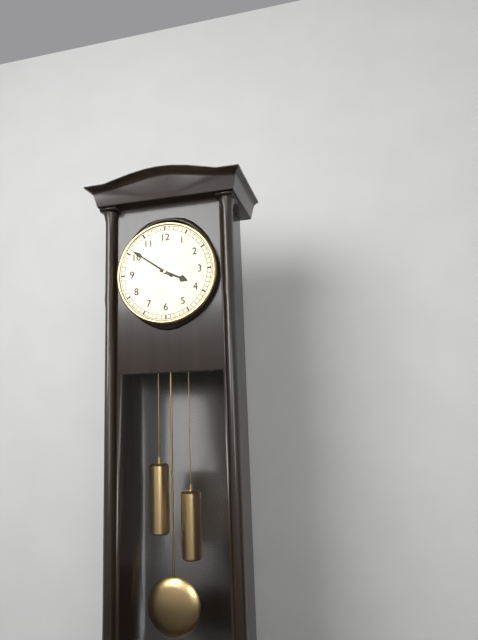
3.51
